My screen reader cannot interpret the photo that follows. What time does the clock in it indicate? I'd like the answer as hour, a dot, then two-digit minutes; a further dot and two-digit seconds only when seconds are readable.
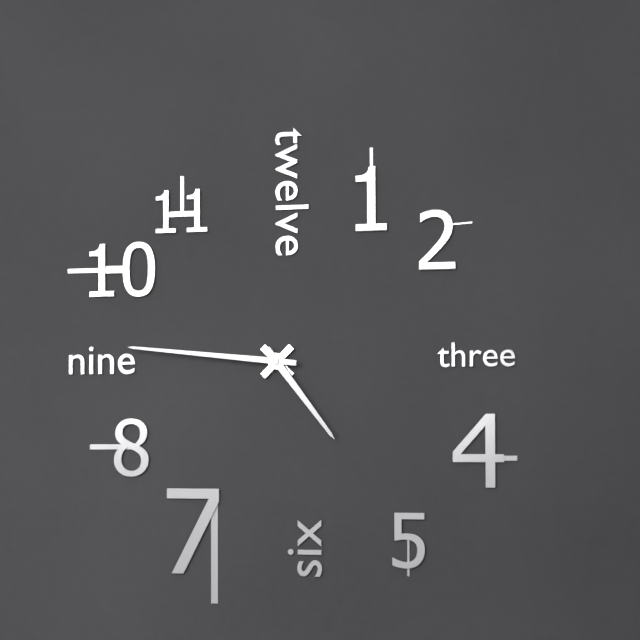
4.46
